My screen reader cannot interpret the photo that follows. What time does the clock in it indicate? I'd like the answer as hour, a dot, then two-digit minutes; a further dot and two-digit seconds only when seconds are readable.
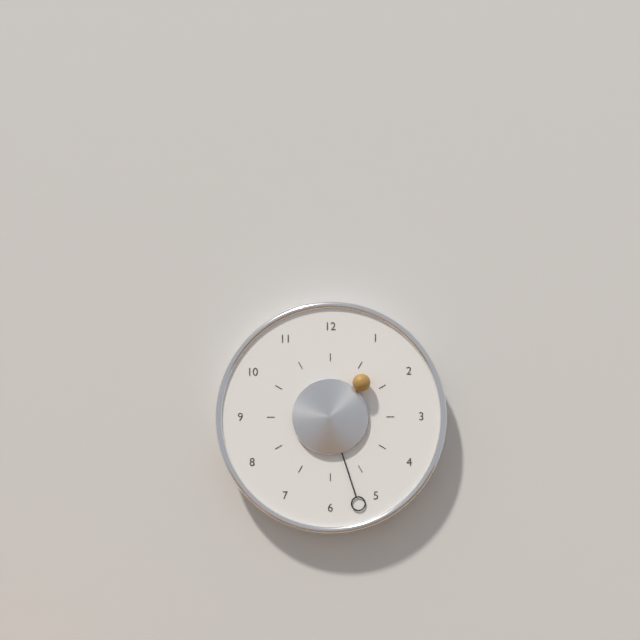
1.27
